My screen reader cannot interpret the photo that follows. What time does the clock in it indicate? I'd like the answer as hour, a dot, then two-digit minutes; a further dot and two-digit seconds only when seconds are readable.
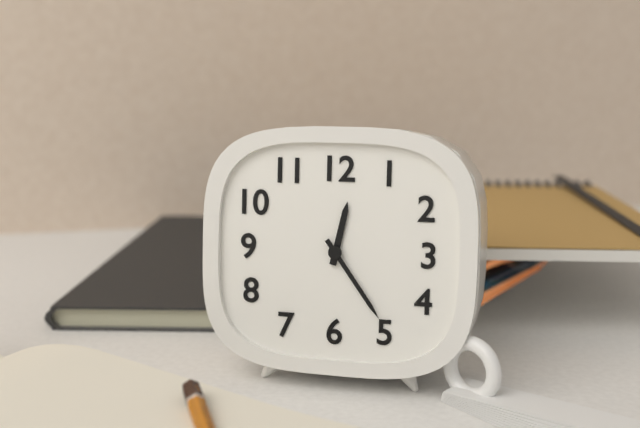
12.24
